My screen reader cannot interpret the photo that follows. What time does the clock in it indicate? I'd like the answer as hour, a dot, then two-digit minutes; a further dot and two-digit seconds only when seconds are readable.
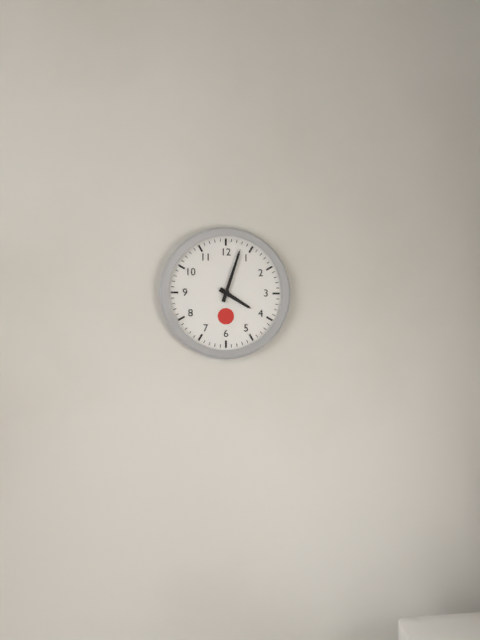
4.03
